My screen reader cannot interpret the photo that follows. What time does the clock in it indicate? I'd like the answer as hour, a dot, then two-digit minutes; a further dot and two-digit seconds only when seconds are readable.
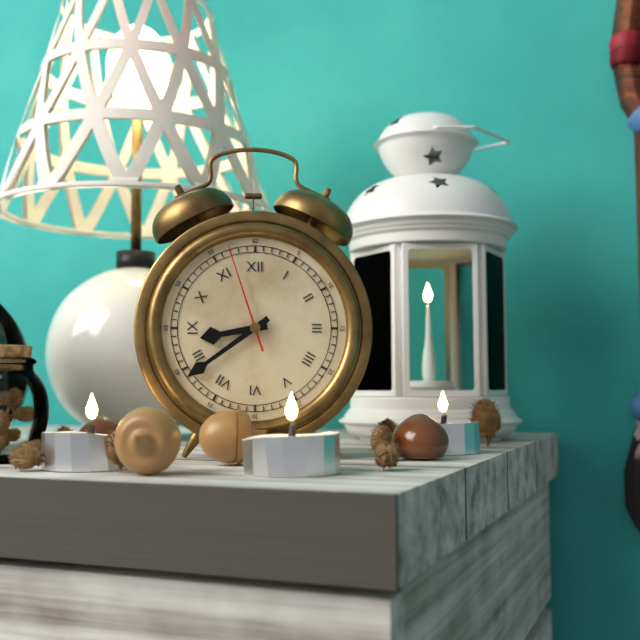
8.39.57
